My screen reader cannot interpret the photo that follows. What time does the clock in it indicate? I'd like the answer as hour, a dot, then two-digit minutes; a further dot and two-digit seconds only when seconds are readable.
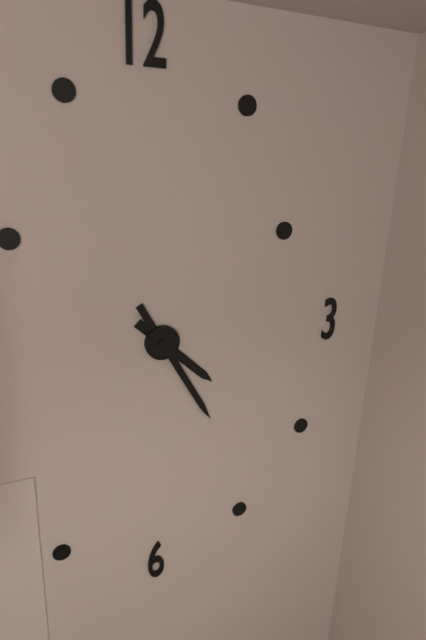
4.25
